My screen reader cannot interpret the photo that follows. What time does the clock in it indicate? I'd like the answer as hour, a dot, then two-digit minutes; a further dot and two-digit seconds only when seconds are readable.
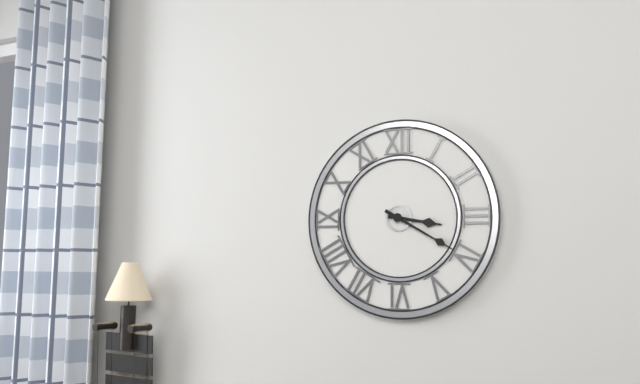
3.20
